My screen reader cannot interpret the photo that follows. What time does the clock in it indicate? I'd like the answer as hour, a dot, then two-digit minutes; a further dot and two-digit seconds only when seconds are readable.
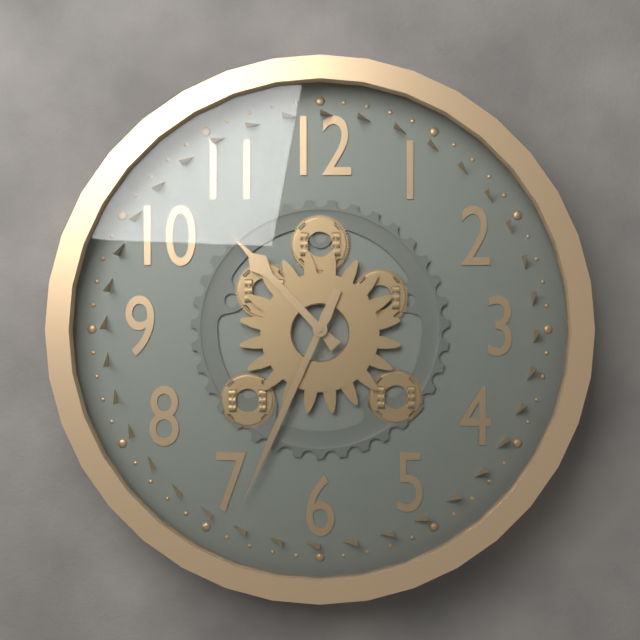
10.34
